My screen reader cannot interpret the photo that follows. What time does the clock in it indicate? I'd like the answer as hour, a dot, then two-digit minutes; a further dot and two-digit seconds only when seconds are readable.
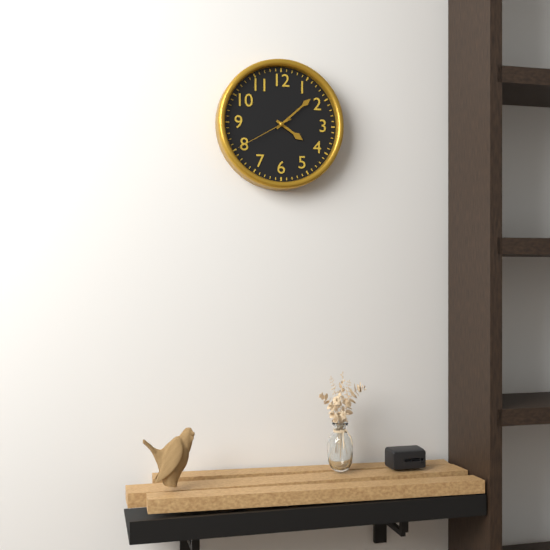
4.08.40
